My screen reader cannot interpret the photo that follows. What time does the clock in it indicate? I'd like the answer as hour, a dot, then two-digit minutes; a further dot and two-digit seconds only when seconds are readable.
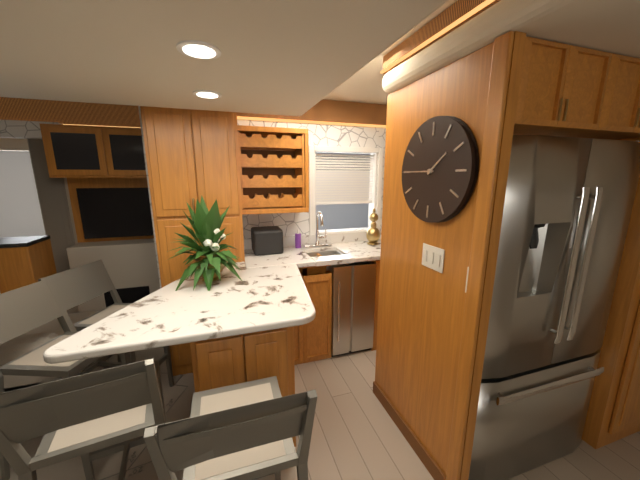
1.45
